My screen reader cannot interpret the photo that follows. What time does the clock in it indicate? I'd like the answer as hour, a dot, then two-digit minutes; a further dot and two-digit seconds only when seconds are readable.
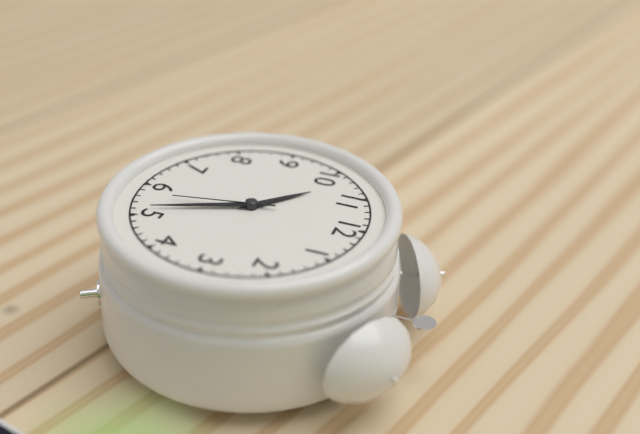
10.26.28
